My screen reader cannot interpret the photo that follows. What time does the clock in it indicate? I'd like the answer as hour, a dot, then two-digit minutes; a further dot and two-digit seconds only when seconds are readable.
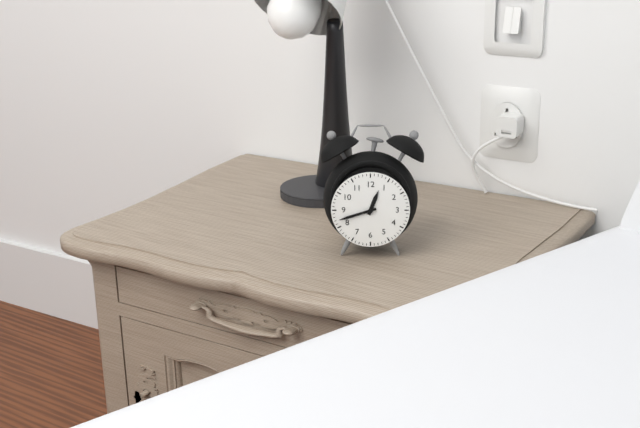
12.42
